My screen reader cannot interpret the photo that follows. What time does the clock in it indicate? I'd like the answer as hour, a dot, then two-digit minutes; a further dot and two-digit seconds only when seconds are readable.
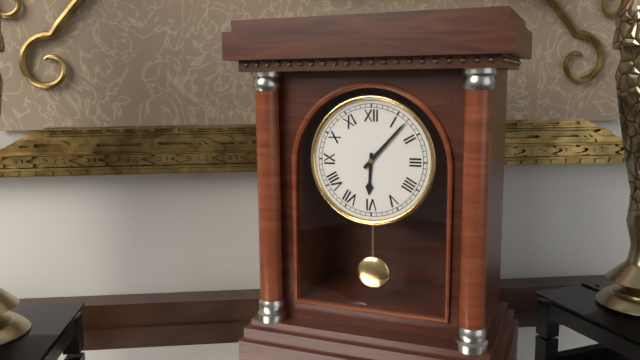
6.07
